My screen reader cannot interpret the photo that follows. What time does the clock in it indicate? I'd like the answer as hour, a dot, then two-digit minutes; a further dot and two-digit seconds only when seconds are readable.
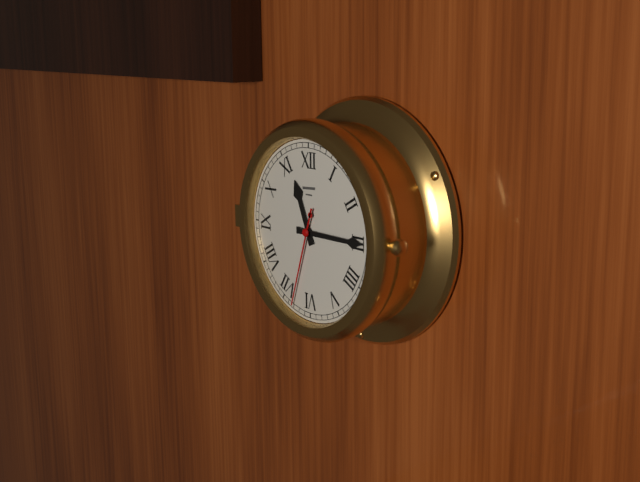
11.15.33
